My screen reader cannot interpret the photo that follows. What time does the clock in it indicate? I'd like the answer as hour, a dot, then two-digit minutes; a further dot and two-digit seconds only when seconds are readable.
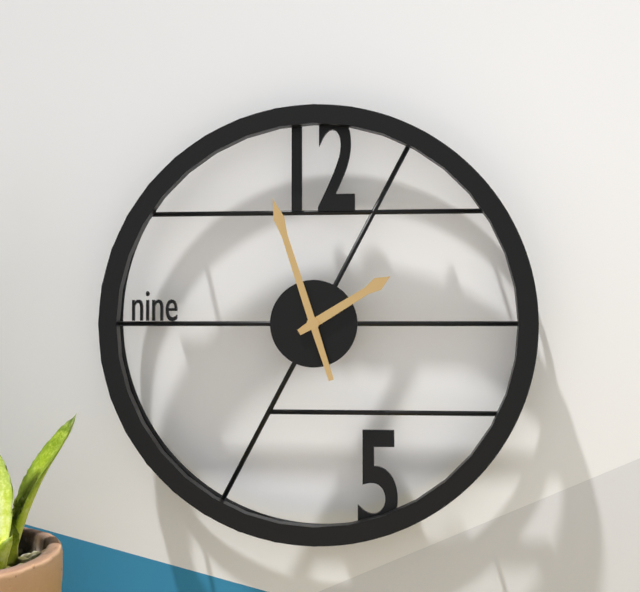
1.57
